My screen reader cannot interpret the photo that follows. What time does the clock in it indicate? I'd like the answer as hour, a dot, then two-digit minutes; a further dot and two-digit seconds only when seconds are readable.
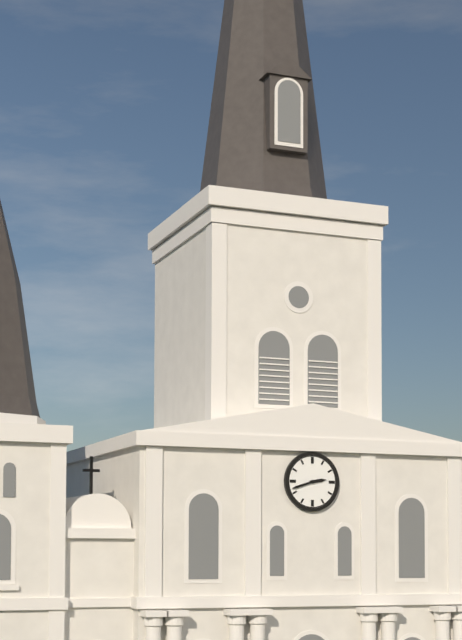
2.42
